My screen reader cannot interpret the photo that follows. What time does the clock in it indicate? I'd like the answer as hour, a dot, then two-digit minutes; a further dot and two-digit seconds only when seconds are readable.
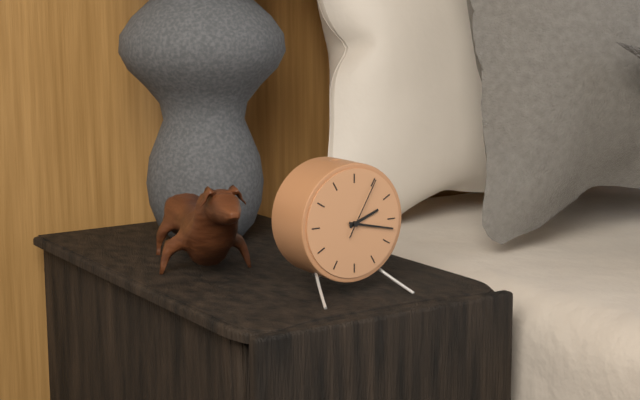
2.17.05
